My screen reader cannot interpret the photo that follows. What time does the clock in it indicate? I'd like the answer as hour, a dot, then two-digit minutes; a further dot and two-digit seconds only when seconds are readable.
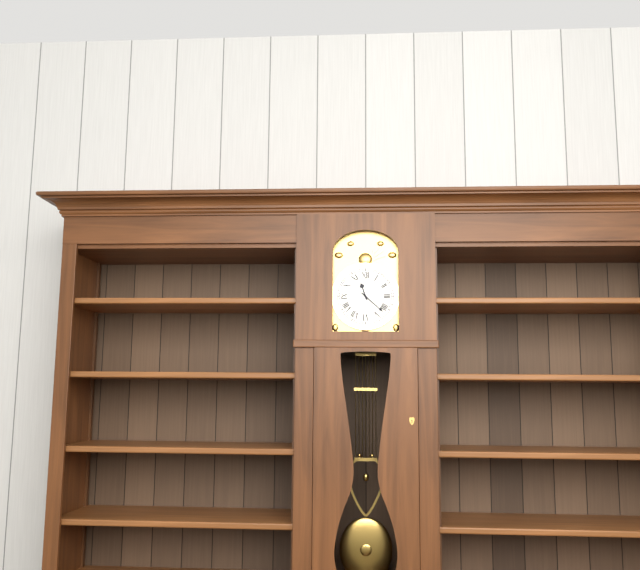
11.22
